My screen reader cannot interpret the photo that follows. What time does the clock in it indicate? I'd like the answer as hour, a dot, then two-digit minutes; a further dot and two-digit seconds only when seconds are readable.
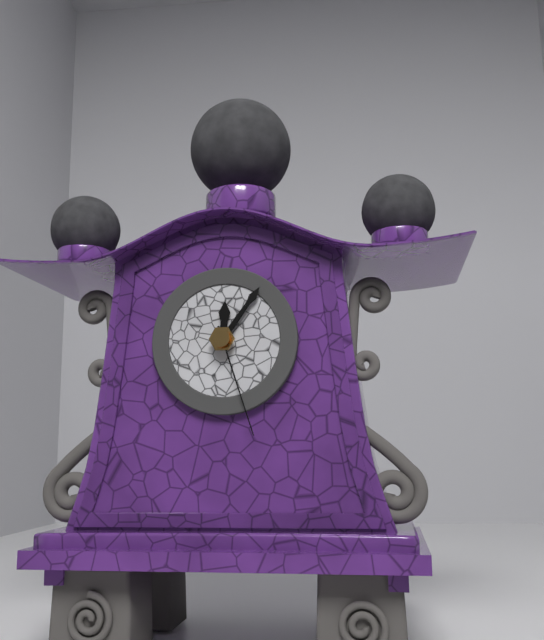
12.06.27
